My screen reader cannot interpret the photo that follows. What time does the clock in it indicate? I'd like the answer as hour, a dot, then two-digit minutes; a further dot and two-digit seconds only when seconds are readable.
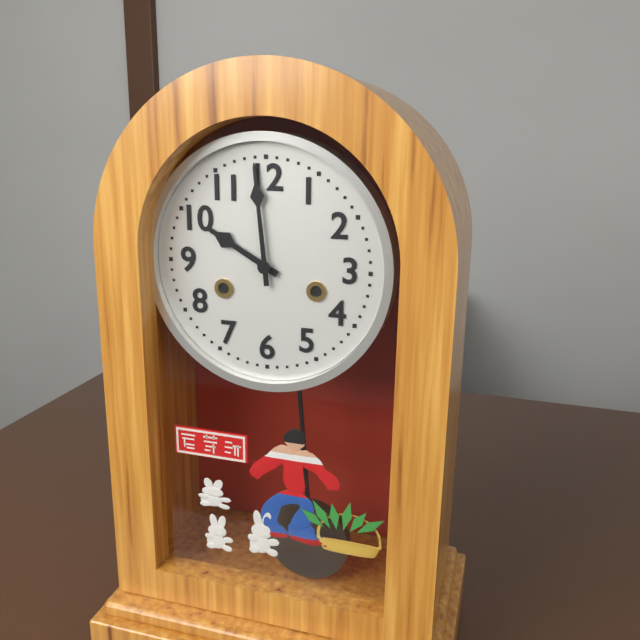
9.59
